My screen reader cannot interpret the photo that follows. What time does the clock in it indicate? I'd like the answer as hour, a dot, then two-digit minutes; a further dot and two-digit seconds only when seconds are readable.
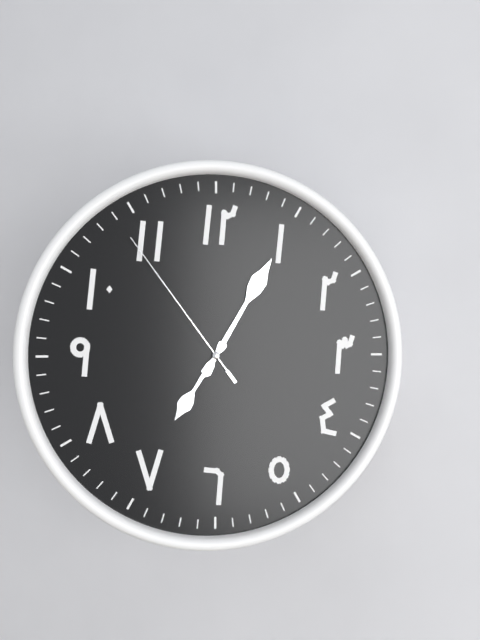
7.05.54
